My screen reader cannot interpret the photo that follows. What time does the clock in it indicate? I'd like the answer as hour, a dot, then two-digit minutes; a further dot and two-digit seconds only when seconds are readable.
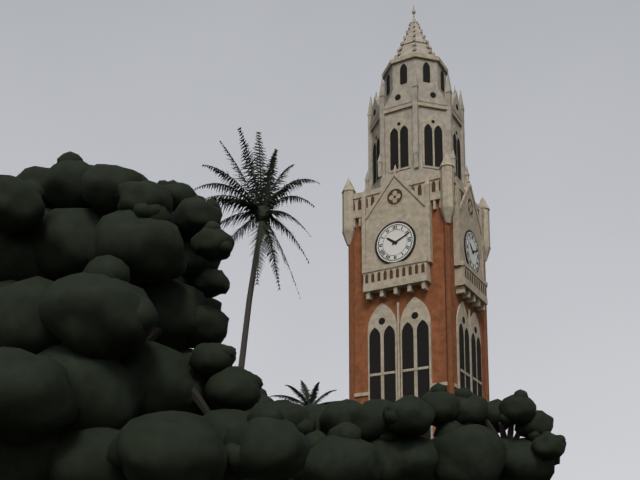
10.11
